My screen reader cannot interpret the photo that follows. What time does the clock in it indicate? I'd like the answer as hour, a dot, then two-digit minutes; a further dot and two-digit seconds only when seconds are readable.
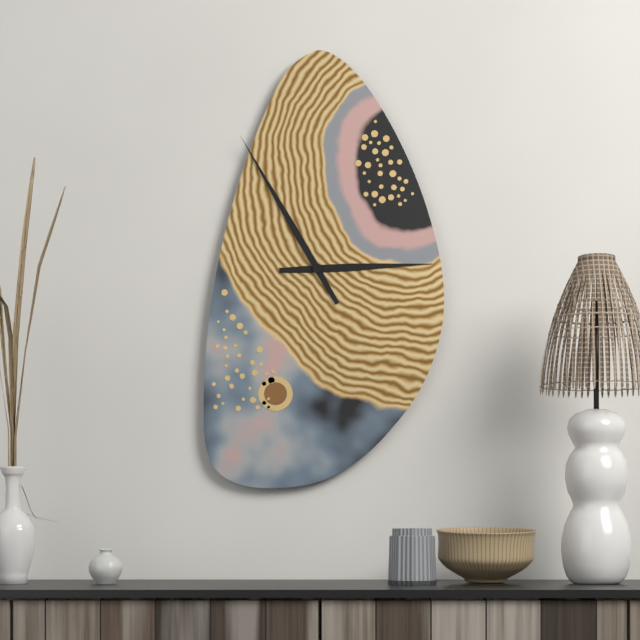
2.55
